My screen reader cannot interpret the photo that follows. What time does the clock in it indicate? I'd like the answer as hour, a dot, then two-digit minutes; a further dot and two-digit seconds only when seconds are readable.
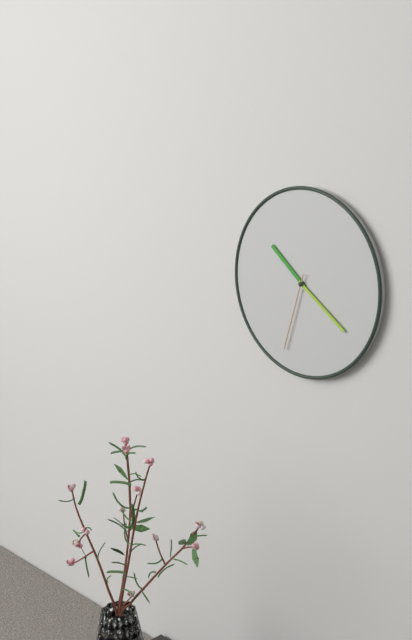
10.21.33
